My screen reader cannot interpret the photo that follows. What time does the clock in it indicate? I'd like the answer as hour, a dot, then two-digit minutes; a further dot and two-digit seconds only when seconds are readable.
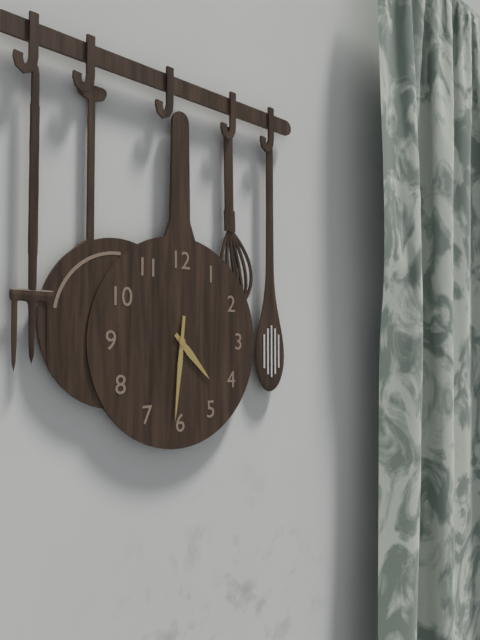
4.31
